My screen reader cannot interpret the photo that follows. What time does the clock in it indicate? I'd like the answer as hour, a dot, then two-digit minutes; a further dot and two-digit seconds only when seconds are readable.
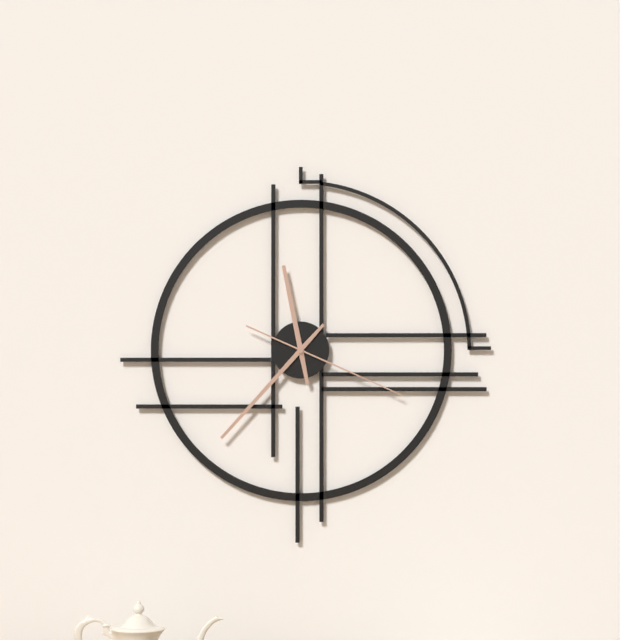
11.37.19
